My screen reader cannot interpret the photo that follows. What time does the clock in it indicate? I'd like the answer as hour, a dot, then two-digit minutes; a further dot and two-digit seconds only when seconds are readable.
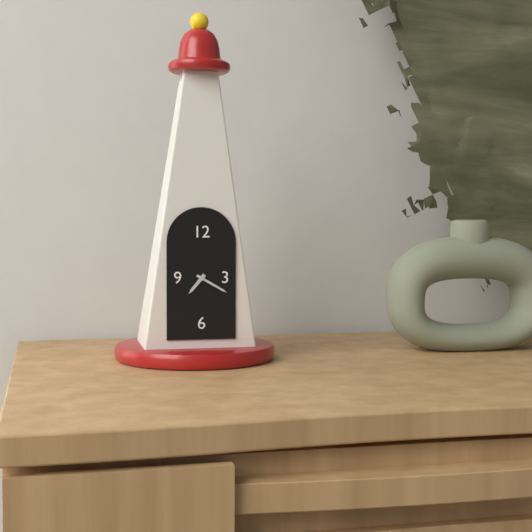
7.20
